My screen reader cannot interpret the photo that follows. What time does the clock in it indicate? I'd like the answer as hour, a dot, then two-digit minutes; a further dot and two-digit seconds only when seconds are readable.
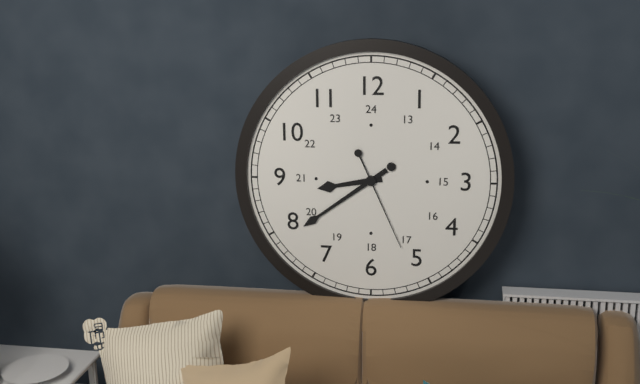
8.39.26
